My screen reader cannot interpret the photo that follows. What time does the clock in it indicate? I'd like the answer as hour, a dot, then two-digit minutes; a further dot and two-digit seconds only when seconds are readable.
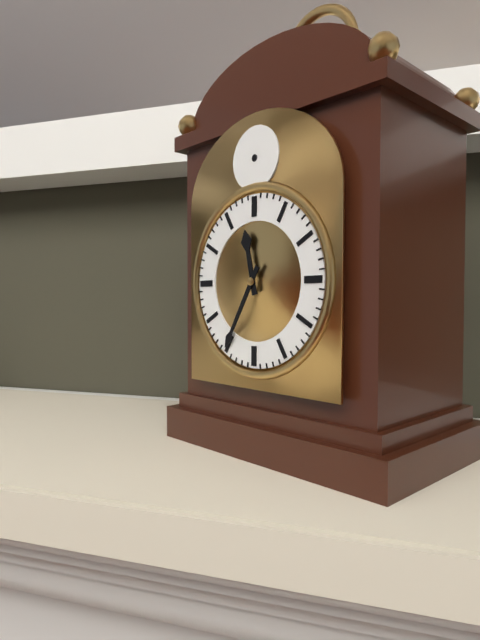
11.35
